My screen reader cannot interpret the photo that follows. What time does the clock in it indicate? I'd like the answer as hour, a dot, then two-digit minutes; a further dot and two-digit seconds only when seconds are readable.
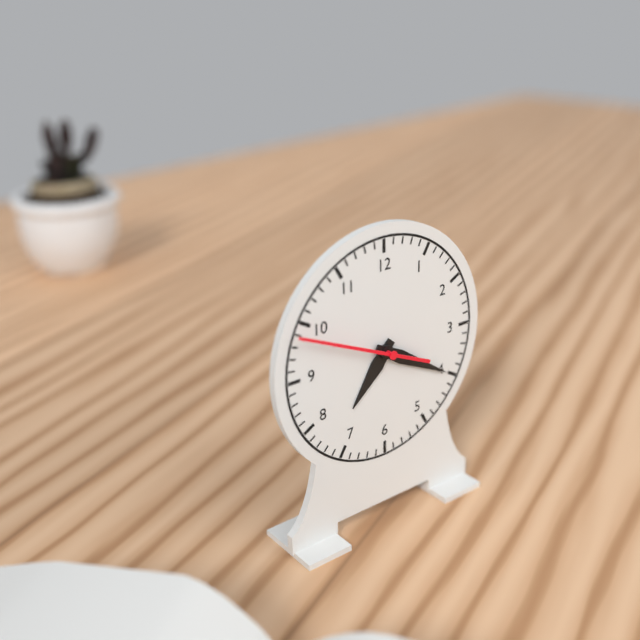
7.20.49
